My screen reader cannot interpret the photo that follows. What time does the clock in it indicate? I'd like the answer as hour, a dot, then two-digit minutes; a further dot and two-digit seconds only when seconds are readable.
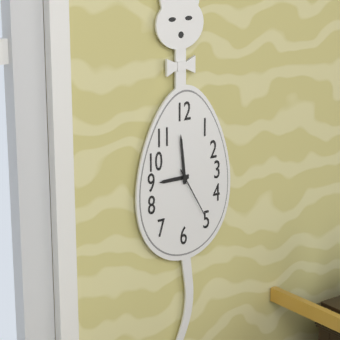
8.59.25
